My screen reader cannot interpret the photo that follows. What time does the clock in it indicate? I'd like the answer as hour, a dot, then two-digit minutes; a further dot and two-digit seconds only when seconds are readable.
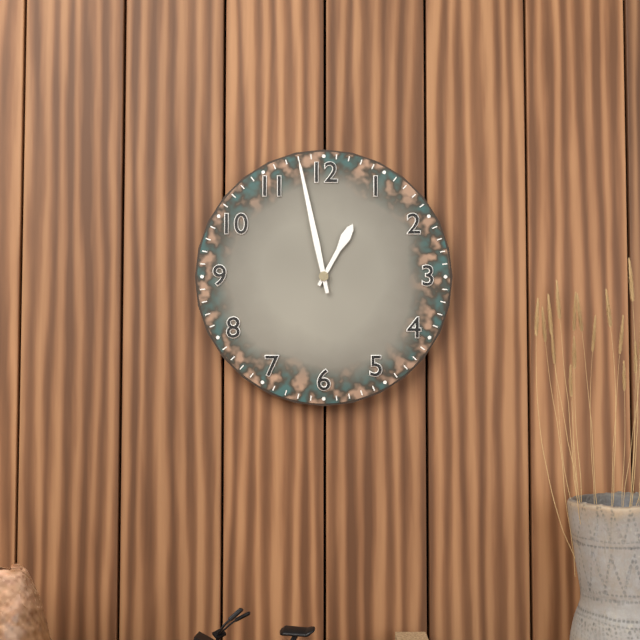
12.58
